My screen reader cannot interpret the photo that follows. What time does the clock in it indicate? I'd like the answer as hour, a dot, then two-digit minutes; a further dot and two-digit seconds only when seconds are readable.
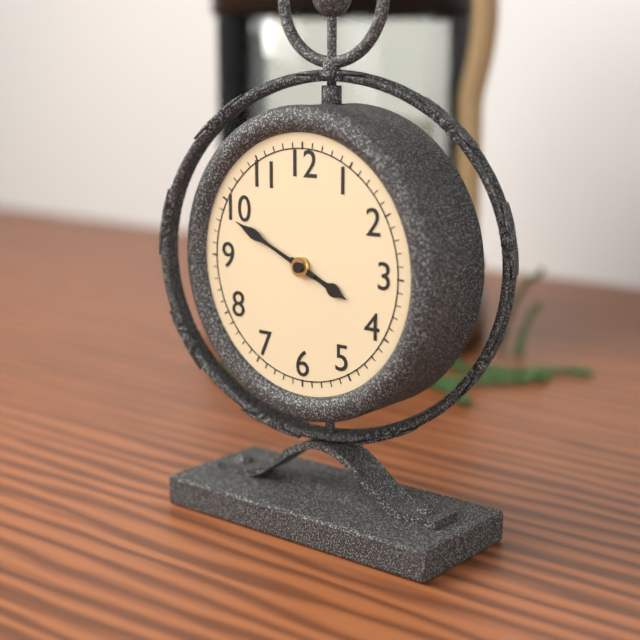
3.49
